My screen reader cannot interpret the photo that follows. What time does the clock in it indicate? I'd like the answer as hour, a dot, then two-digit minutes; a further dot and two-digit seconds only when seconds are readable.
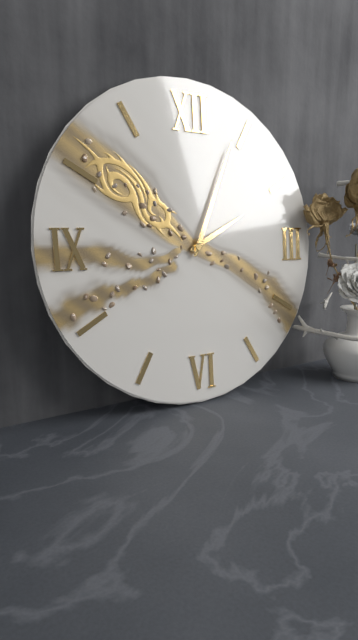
2.04
